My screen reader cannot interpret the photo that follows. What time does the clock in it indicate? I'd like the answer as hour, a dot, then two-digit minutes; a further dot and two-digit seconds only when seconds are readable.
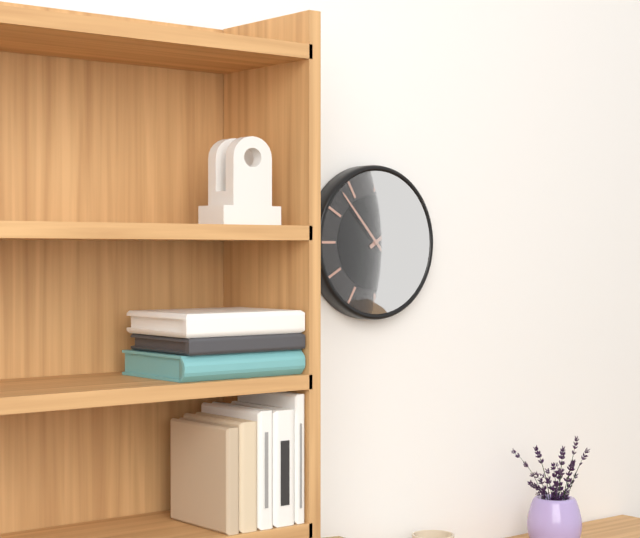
1.53
